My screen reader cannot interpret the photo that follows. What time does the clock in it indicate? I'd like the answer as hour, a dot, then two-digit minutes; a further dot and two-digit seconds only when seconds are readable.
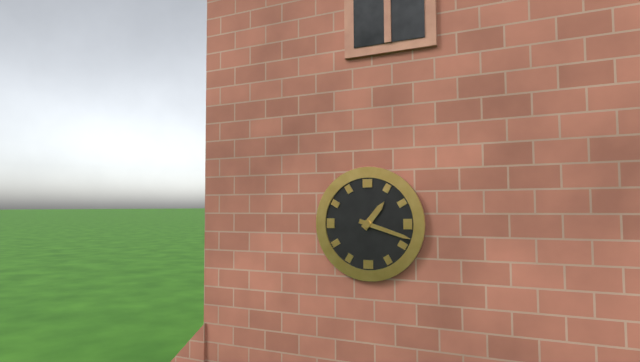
1.18
